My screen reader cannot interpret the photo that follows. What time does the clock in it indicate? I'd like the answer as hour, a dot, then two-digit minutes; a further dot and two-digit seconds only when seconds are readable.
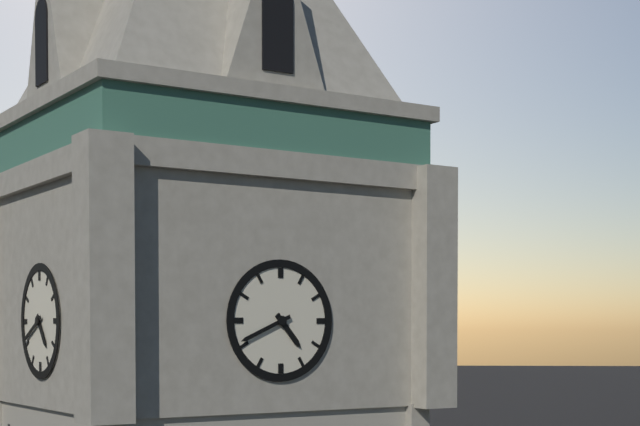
4.41
